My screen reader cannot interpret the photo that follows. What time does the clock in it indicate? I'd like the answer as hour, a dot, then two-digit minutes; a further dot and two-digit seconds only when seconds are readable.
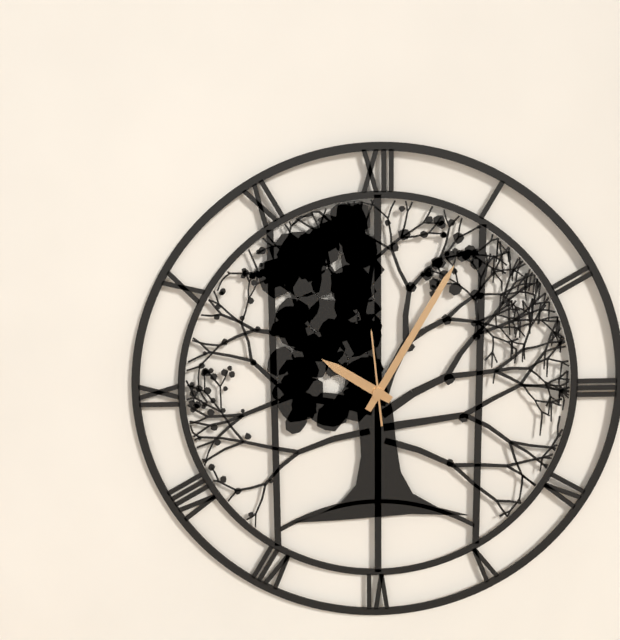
10.05.59
